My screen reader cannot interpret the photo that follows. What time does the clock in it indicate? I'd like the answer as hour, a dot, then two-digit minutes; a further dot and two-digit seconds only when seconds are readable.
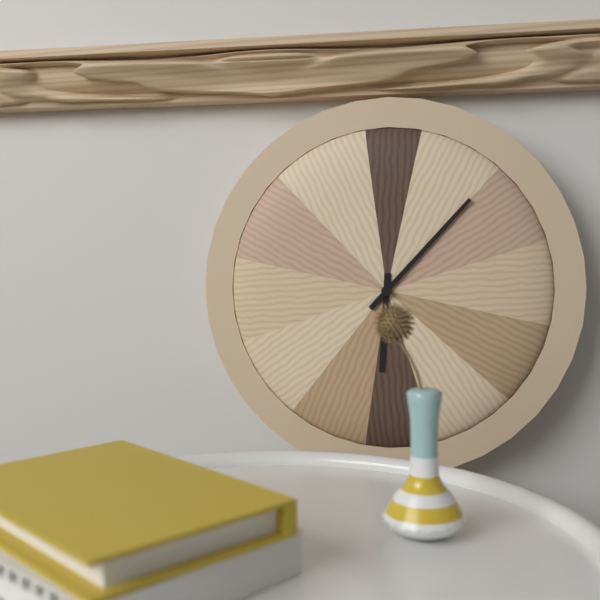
6.07
